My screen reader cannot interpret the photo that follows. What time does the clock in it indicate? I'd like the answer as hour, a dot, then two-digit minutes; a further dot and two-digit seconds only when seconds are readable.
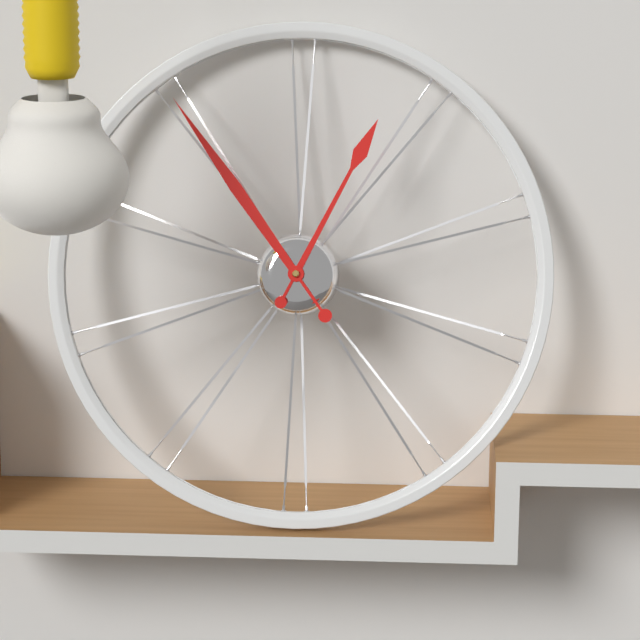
12.54
